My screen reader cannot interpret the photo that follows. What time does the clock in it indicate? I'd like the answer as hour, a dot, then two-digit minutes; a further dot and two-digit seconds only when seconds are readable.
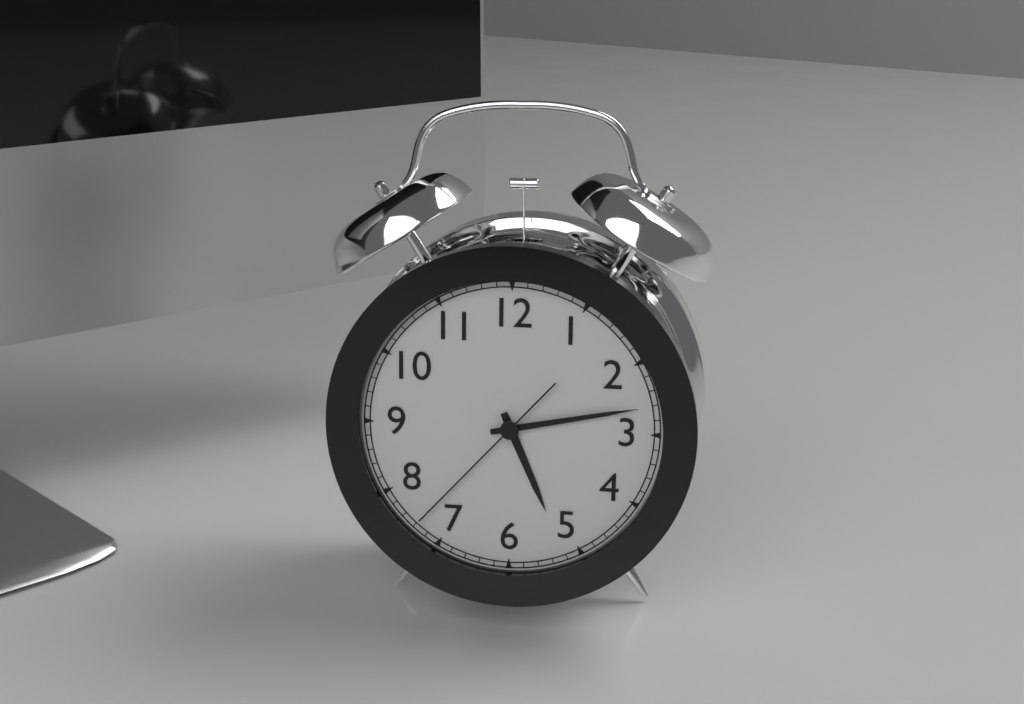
5.13.37
